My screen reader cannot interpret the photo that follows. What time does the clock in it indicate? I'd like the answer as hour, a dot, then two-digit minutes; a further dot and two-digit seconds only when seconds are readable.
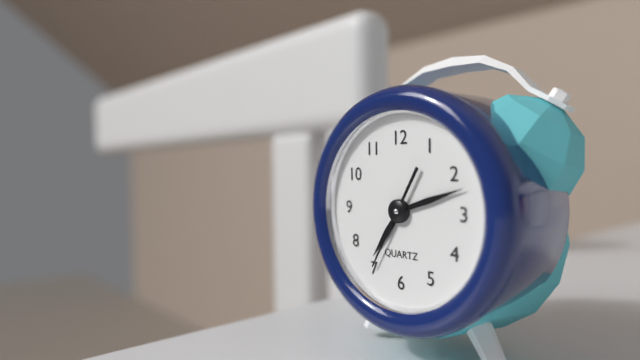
7.12.35
